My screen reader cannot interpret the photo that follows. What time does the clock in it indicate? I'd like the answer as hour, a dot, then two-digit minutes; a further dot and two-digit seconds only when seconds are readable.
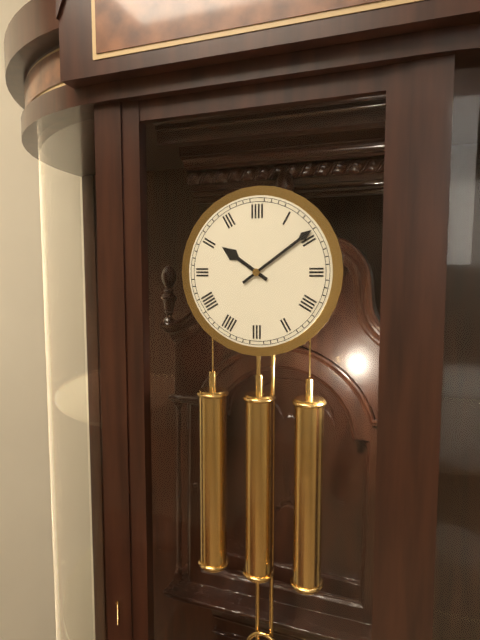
10.09
